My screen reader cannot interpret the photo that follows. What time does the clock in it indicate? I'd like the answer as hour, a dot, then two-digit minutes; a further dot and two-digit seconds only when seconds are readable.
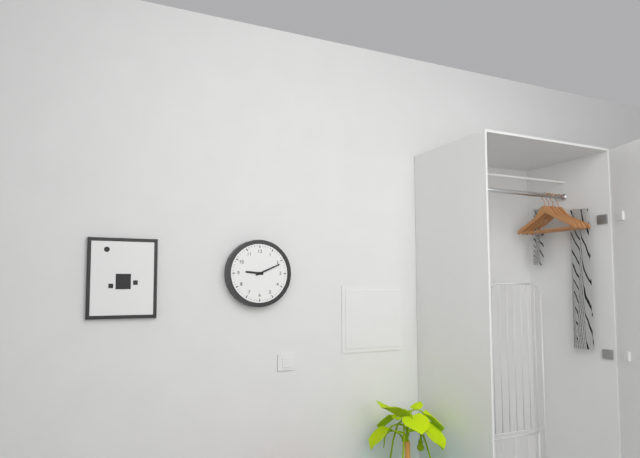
9.11
